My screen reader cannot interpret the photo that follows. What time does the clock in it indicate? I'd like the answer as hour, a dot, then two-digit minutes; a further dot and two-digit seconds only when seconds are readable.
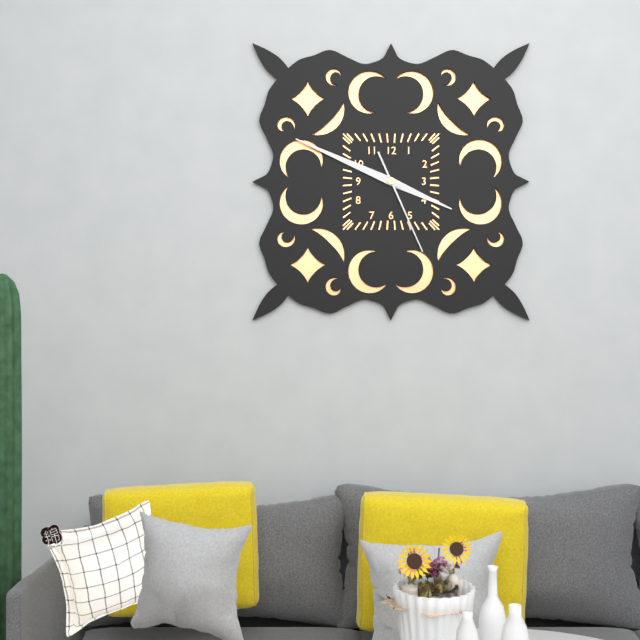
3.49.26
